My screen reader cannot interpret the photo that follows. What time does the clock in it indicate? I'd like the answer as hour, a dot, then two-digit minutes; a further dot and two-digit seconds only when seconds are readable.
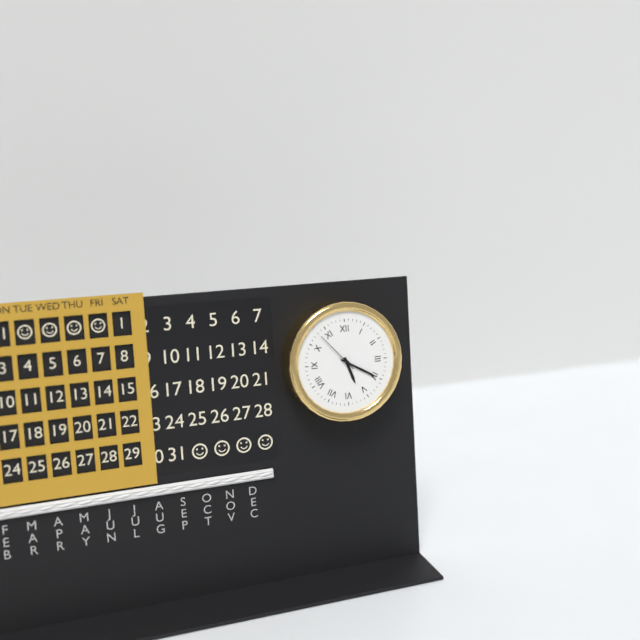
5.20
